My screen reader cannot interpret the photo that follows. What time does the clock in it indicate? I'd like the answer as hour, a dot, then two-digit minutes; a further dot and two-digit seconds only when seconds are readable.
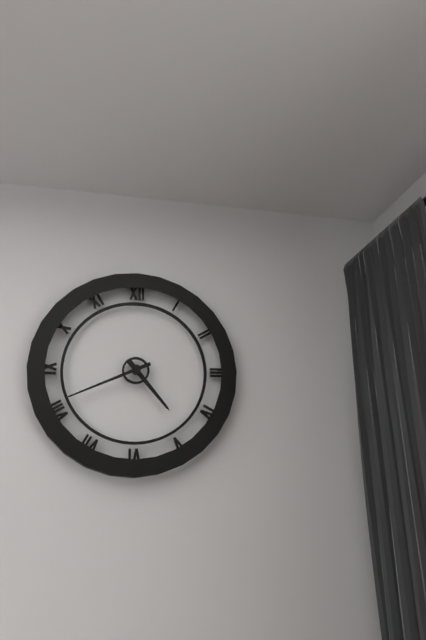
4.41
